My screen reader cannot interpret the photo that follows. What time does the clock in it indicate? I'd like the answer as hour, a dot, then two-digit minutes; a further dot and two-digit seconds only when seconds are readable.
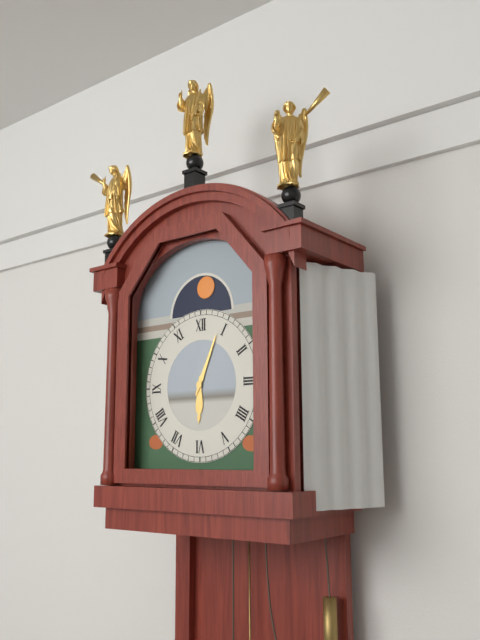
6.04
